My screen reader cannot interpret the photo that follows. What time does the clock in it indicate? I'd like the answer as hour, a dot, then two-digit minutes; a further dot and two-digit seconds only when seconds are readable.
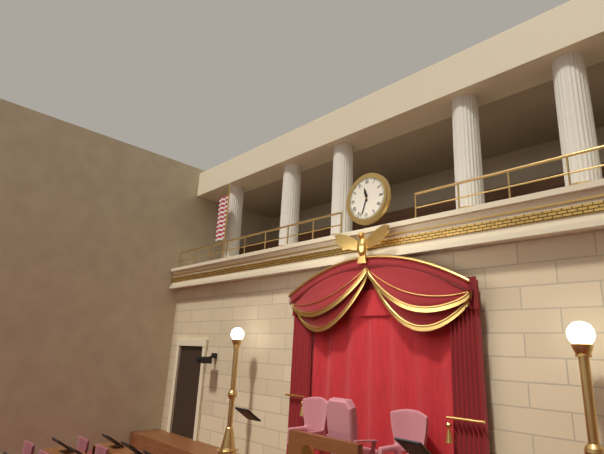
11.33
